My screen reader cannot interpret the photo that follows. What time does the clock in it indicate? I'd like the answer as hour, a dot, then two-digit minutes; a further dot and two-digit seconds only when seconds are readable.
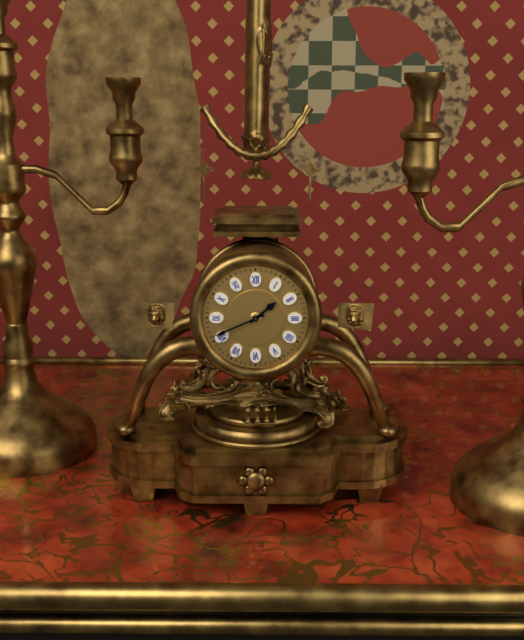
1.41
